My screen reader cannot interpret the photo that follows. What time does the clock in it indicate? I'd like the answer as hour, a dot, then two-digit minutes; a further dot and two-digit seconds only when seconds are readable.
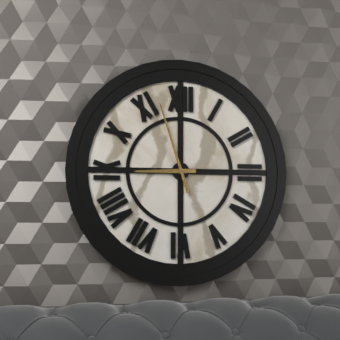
8.57
